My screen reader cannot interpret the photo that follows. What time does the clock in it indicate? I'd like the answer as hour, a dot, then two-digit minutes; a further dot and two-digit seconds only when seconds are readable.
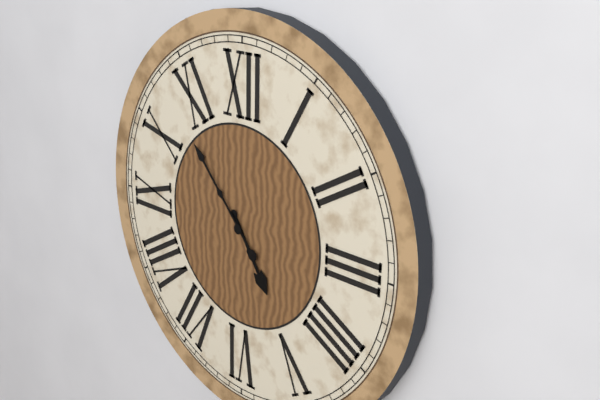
4.53
